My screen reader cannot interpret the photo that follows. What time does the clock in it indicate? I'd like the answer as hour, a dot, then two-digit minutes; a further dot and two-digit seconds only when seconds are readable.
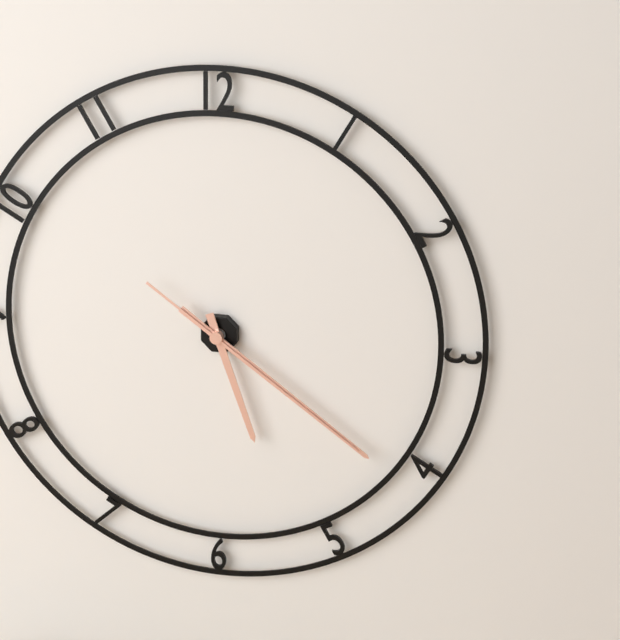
5.21.21
